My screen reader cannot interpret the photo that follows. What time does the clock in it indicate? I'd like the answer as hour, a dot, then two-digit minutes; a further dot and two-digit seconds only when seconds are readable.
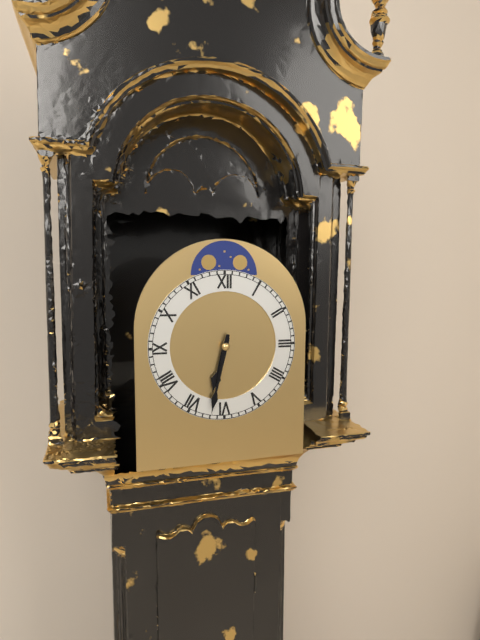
6.32
